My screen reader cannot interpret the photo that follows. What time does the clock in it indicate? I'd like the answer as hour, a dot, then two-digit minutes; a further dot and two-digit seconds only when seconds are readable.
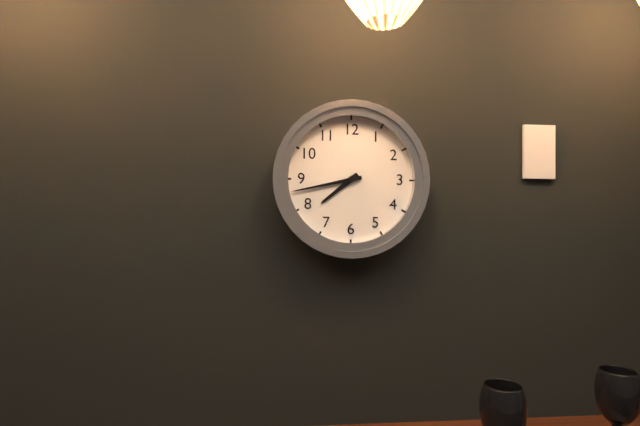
7.43
